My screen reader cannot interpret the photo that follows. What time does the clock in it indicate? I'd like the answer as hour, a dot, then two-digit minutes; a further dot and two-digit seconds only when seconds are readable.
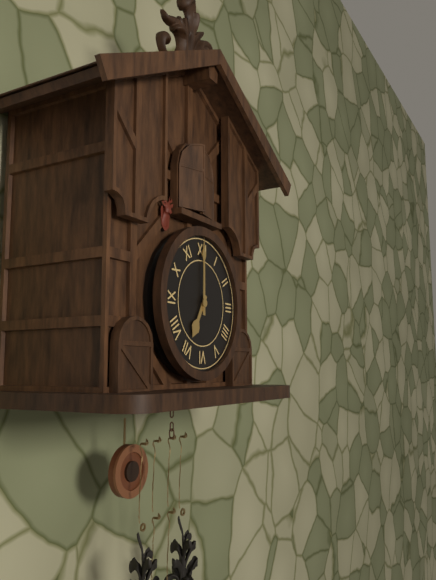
7.00
